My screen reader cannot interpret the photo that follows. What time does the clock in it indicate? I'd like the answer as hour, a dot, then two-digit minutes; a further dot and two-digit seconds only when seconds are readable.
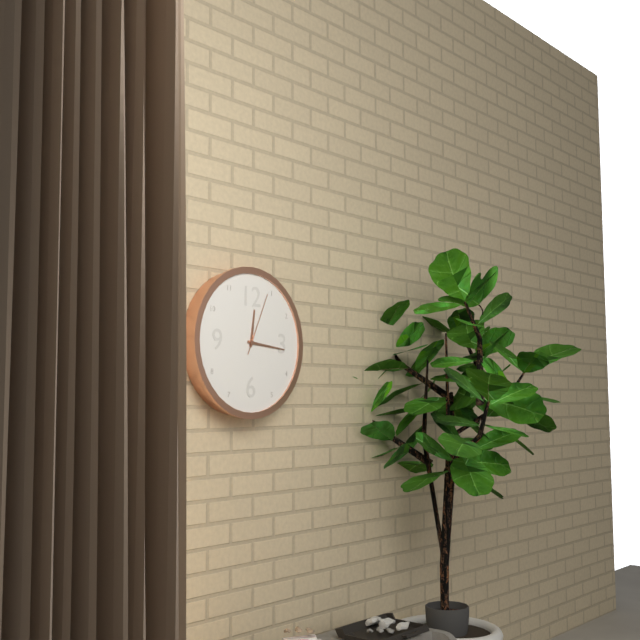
12.16.04
